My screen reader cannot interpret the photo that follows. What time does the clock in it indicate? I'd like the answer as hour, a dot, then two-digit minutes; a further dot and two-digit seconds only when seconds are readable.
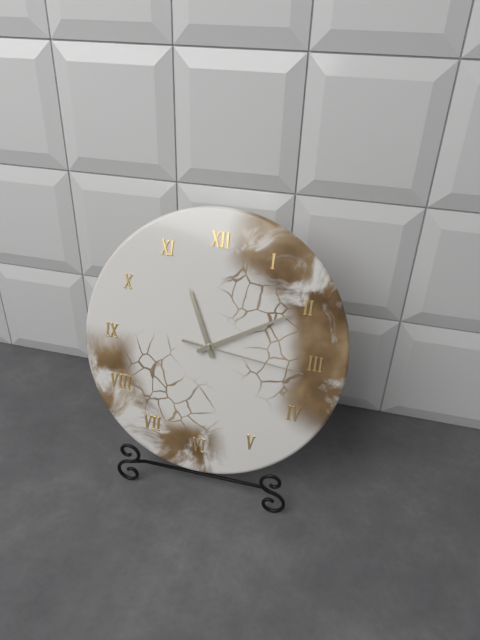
11.10.16
